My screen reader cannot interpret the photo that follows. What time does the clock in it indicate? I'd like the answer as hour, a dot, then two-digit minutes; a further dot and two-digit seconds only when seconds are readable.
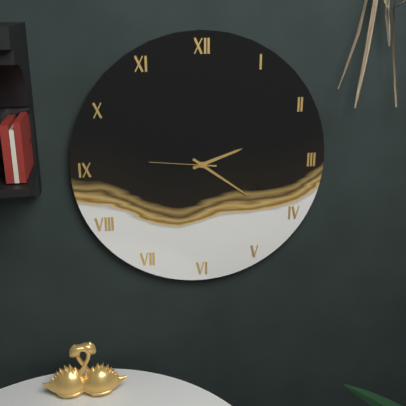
2.21.46
